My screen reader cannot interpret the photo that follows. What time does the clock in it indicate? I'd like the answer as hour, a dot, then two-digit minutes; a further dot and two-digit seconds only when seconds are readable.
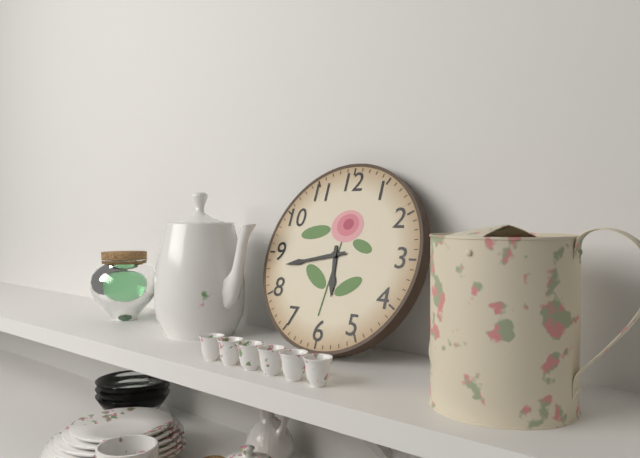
5.43
